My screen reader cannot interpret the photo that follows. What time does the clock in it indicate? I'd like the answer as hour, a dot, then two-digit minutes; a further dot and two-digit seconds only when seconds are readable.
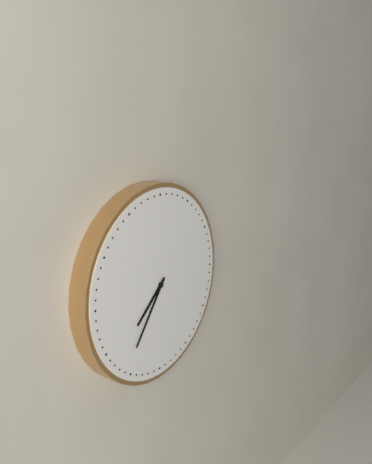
7.36
